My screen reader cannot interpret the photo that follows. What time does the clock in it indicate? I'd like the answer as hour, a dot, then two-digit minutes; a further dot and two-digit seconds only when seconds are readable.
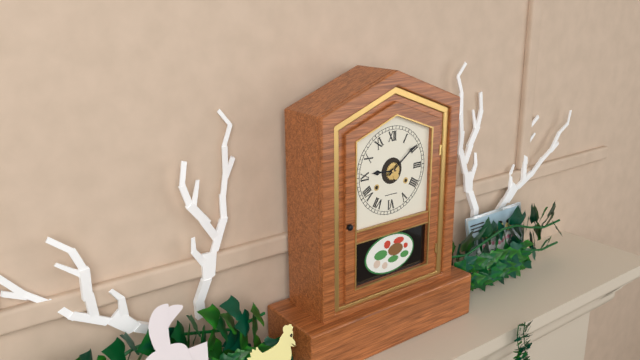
9.09
